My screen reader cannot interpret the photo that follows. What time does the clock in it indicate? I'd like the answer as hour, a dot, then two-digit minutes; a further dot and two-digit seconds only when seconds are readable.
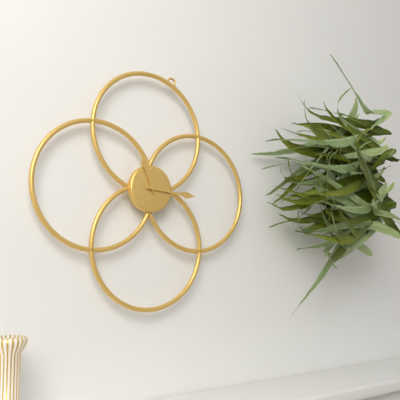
11.16
